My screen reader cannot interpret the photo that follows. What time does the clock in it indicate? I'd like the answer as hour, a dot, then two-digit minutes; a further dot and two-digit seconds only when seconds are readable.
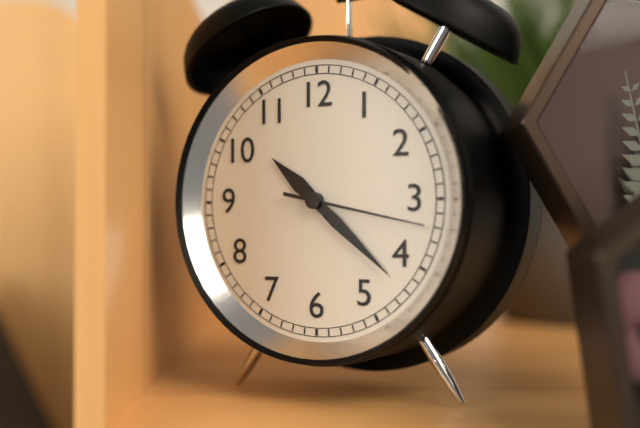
10.22.17
